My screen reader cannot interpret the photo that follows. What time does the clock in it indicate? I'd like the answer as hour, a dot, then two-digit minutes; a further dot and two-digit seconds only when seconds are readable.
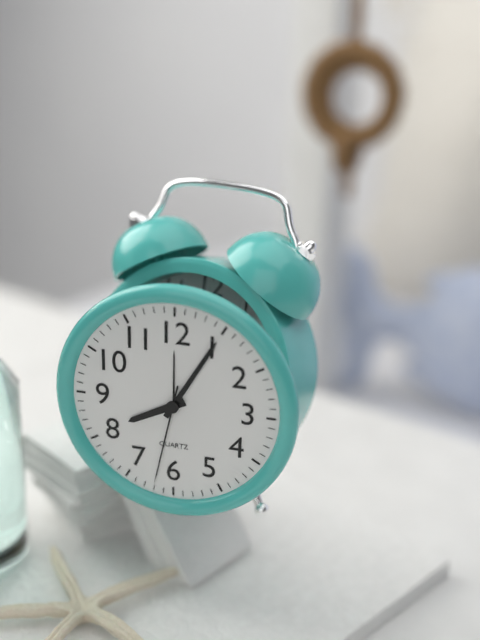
8.05.32
